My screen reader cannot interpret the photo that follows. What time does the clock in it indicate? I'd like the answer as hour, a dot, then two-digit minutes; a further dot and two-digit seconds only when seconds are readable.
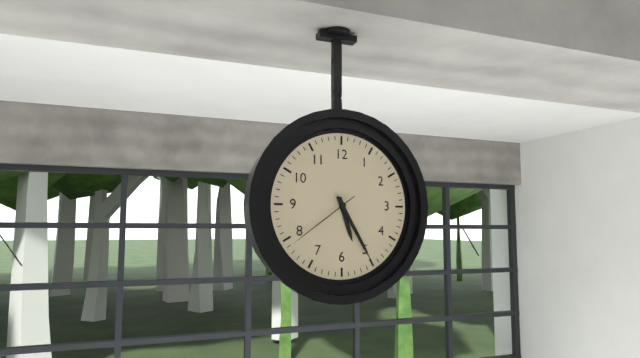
5.25.39
